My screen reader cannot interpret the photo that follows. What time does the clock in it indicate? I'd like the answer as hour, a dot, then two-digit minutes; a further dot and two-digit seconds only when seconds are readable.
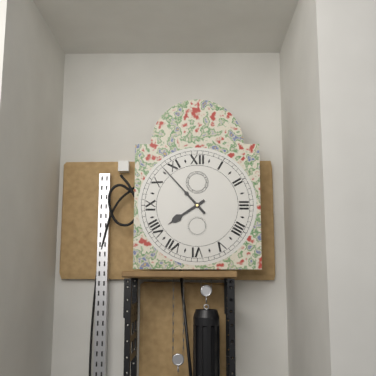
7.53
